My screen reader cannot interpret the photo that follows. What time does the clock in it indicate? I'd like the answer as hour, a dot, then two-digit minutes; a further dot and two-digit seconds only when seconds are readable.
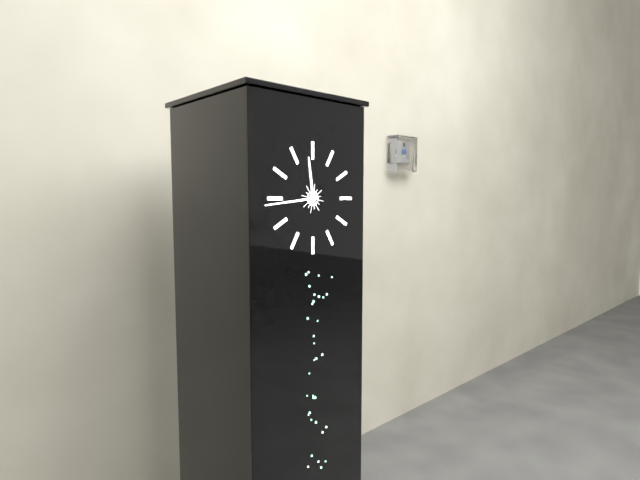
11.44
